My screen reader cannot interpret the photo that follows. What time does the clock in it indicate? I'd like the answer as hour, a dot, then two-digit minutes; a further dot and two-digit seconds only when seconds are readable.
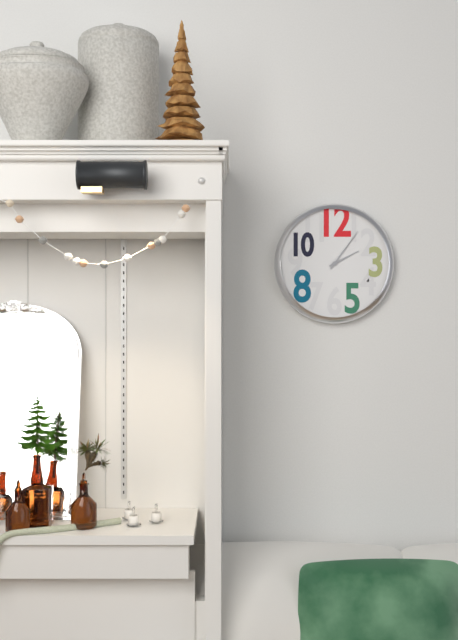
2.06
